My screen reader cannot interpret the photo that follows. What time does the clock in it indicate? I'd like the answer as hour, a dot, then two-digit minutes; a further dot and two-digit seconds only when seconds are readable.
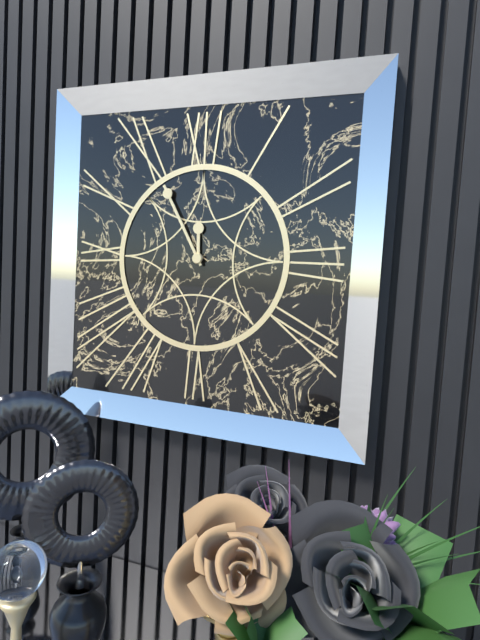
11.55
